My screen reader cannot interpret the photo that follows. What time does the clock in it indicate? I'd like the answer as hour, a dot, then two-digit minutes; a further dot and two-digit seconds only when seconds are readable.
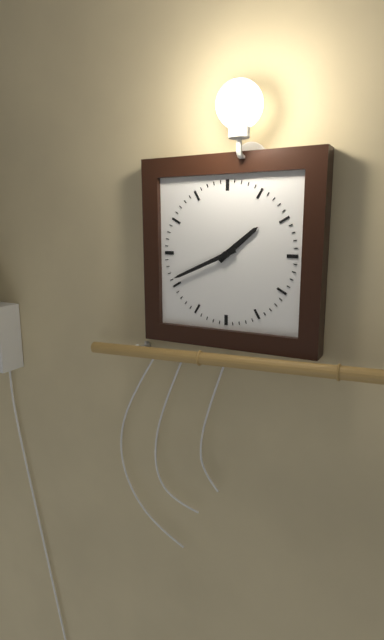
1.41
